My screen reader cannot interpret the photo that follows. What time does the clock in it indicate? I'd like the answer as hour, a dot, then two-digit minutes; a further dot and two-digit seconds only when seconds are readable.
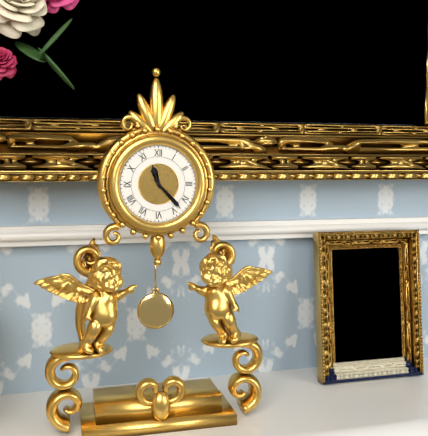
11.23
